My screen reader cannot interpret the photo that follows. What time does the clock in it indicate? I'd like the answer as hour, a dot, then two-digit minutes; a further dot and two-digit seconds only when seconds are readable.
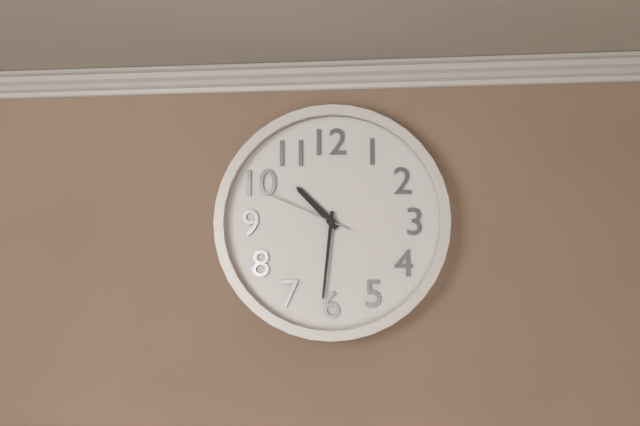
10.31.49
